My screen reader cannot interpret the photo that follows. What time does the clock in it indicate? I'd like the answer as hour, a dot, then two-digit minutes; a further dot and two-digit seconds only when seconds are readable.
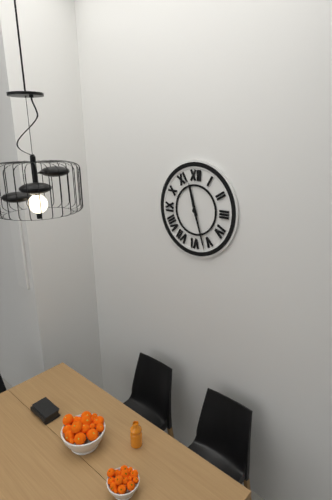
11.27
